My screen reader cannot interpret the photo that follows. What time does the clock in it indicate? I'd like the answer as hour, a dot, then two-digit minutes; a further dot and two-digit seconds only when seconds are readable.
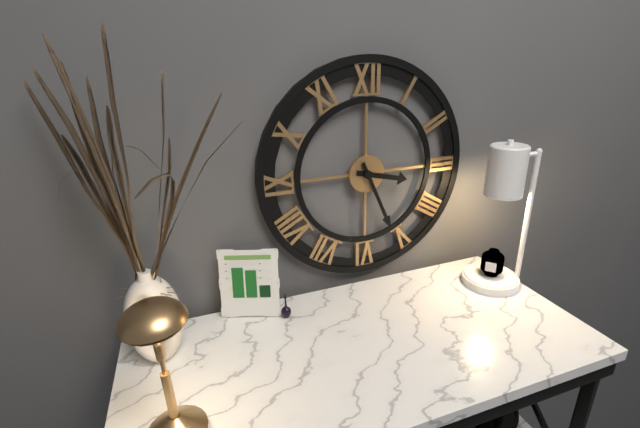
3.26
